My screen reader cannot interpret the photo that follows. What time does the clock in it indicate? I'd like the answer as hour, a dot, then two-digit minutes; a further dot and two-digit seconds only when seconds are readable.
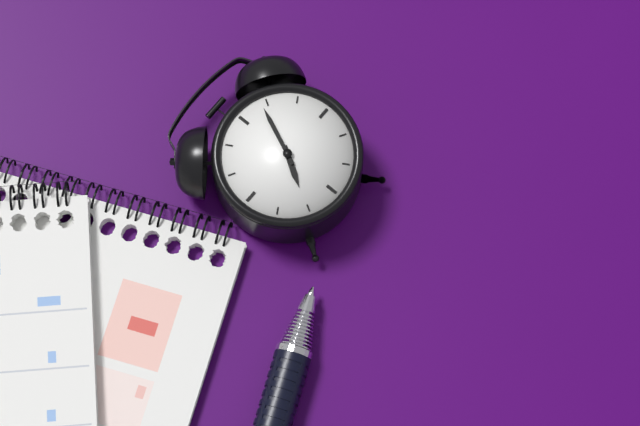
7.04
